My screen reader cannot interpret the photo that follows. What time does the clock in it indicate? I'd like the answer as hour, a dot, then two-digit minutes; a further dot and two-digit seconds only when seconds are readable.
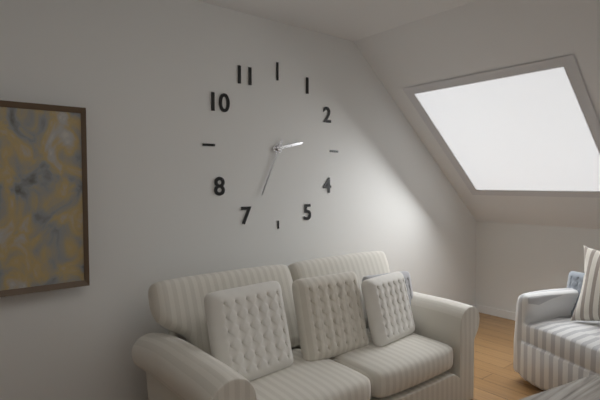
2.34
